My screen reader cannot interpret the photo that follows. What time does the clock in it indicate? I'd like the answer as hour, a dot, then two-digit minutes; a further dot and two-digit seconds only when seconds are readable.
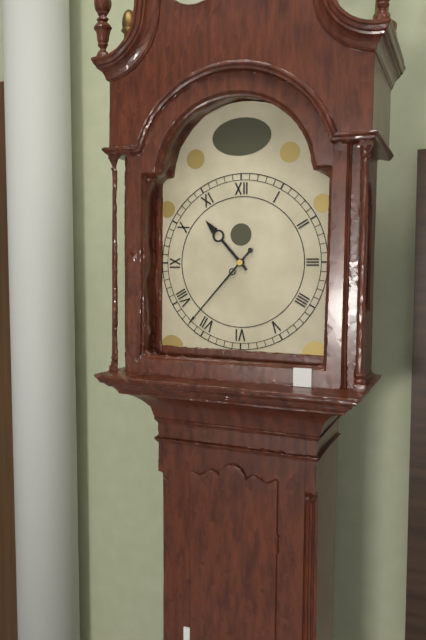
10.37
